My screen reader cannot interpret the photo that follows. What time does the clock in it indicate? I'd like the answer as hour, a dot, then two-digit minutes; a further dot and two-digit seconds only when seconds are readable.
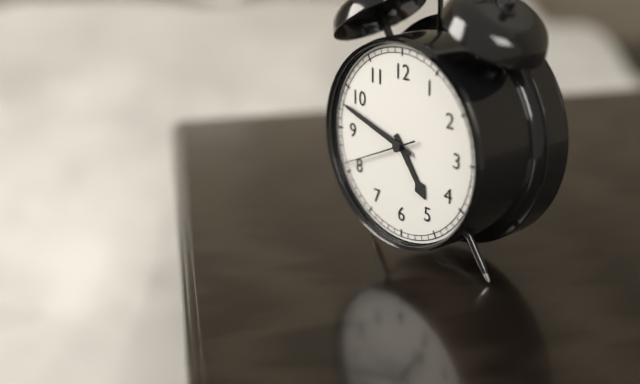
4.48.41
